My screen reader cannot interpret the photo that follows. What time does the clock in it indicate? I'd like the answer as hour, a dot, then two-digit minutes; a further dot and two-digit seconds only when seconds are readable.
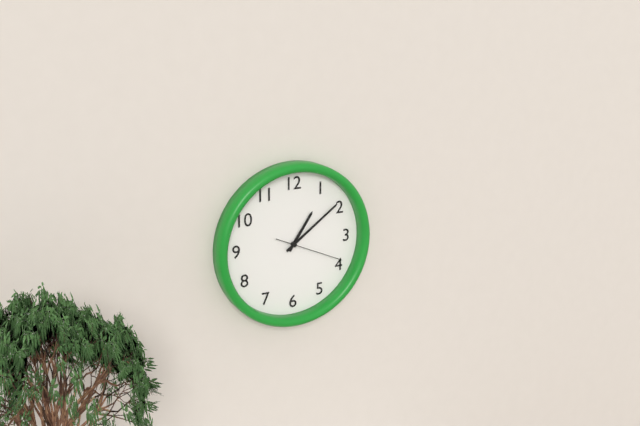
1.09.19
